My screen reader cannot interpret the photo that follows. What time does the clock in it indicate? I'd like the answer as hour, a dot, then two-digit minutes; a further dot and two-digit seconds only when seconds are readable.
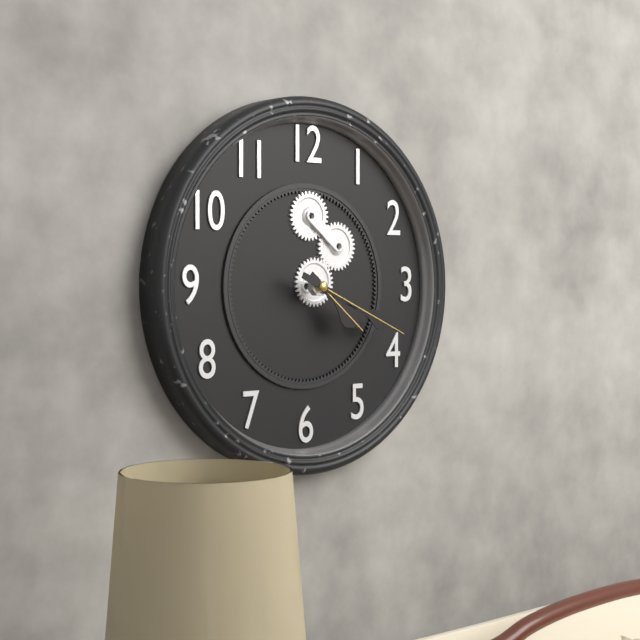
4.19
